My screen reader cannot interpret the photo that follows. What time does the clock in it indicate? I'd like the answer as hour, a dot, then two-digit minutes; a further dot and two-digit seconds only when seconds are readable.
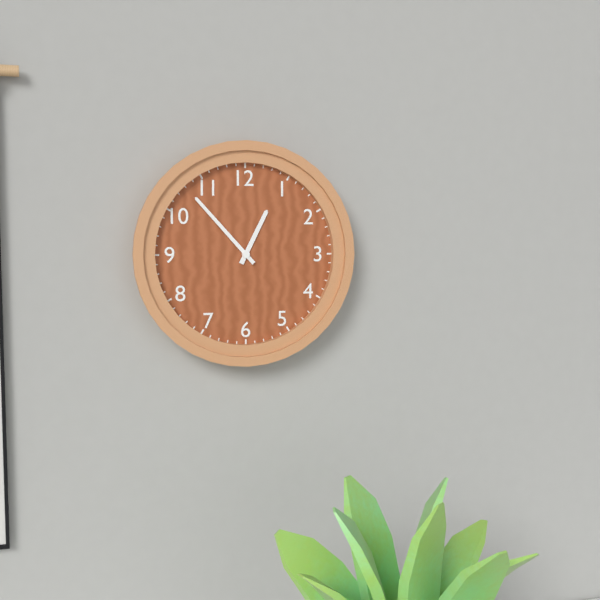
12.53
